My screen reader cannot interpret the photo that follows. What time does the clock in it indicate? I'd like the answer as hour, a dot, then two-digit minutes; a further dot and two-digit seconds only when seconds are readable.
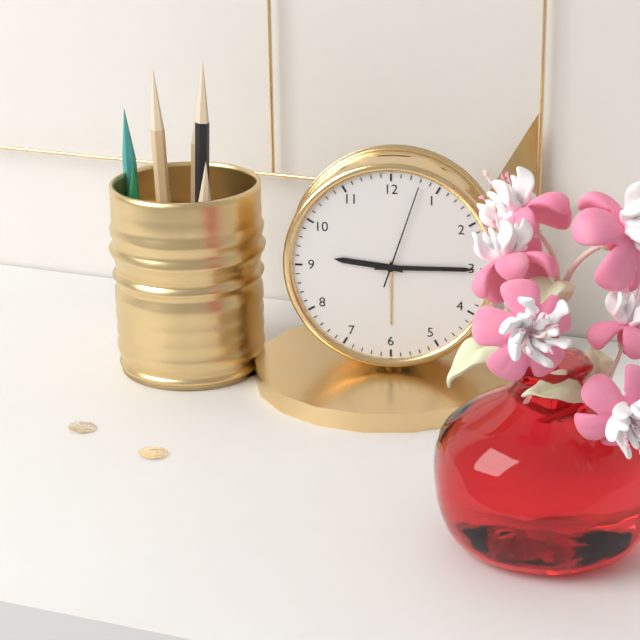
9.15.03
